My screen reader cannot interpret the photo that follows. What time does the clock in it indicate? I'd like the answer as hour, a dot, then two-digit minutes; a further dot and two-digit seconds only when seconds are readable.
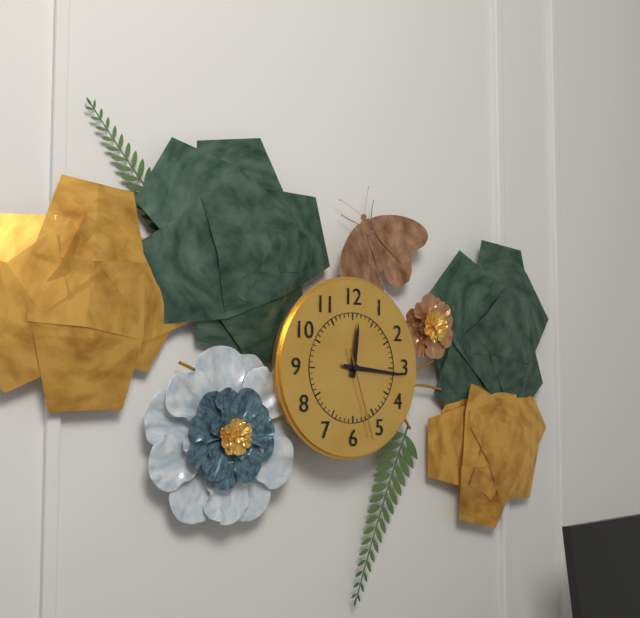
12.16.27
